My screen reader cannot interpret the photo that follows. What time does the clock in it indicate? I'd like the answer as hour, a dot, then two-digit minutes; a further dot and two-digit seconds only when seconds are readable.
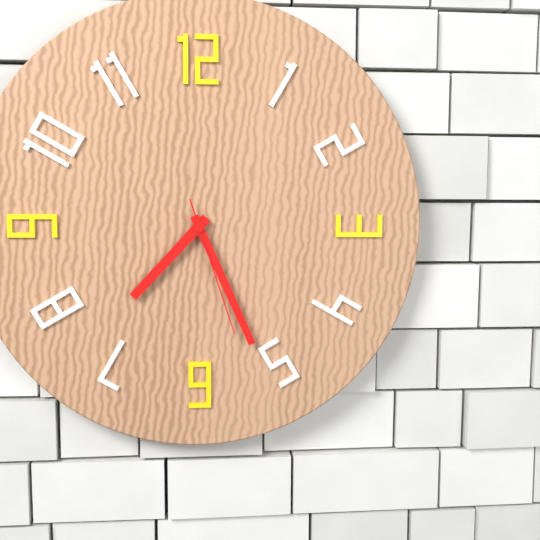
7.26.27
